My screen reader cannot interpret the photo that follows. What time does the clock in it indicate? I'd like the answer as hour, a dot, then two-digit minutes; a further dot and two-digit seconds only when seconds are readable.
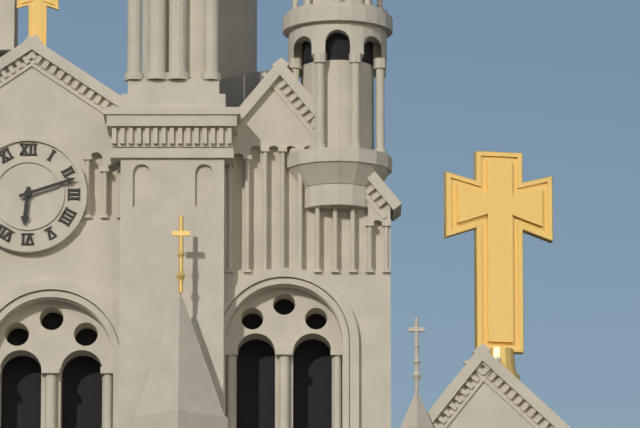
6.12
